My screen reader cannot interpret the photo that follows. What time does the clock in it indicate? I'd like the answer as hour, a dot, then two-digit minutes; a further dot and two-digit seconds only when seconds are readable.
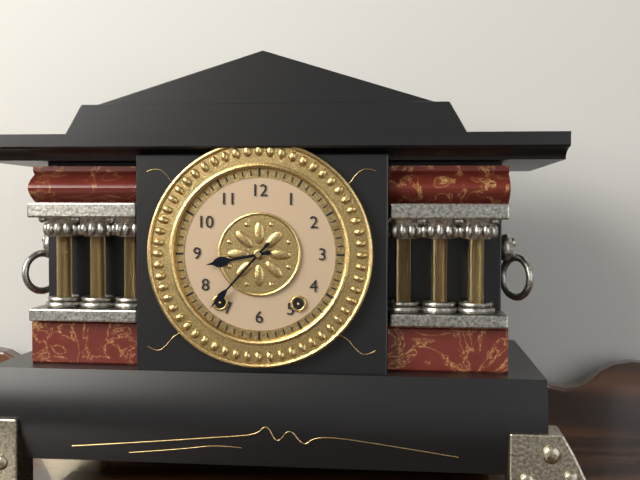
8.37
